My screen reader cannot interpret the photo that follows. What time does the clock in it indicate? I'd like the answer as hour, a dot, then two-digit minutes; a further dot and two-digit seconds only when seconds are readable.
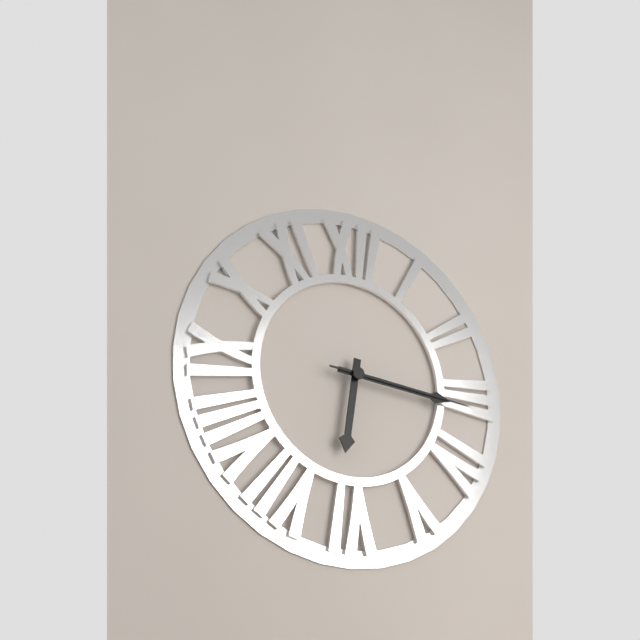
6.16.16
